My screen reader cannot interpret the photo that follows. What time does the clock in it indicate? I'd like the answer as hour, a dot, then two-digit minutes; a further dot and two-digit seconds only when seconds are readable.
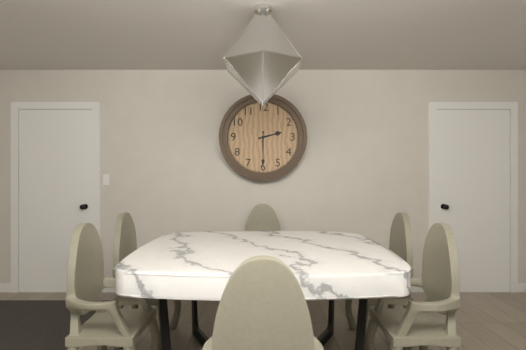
2.30
